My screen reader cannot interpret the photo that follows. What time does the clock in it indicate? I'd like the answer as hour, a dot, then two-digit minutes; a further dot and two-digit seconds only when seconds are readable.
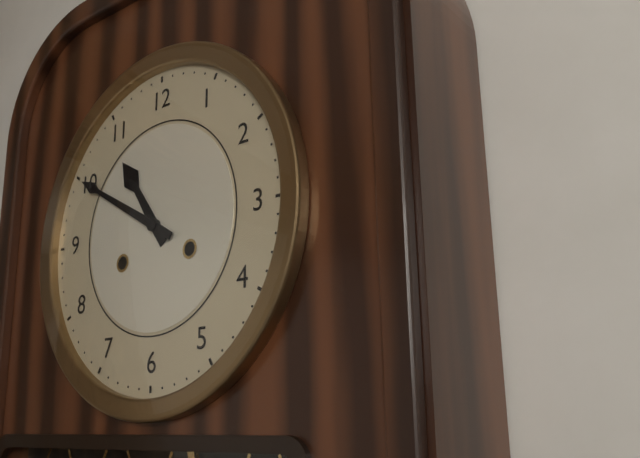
10.50
